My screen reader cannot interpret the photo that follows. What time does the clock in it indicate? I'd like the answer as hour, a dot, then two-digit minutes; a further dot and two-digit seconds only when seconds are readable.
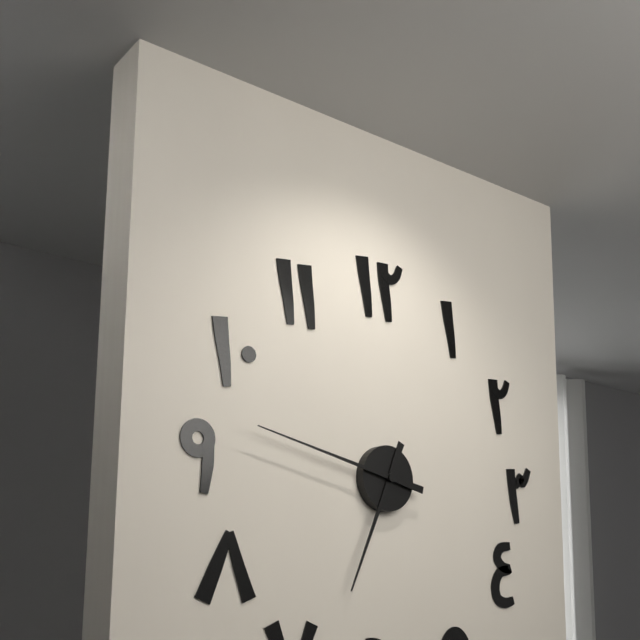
6.47
